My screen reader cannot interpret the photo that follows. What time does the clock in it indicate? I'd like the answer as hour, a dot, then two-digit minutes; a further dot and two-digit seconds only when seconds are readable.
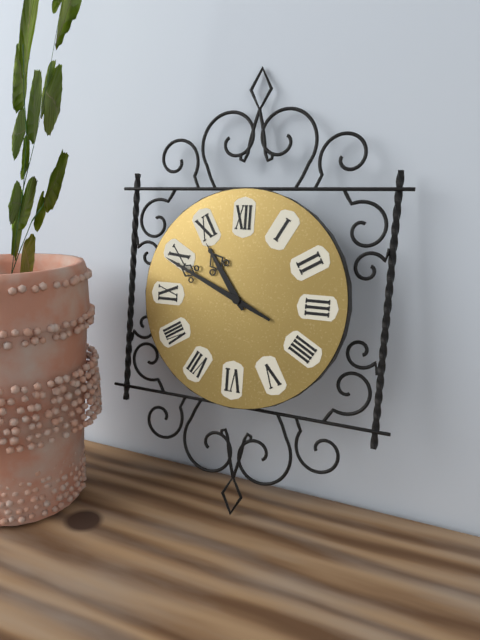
10.49
